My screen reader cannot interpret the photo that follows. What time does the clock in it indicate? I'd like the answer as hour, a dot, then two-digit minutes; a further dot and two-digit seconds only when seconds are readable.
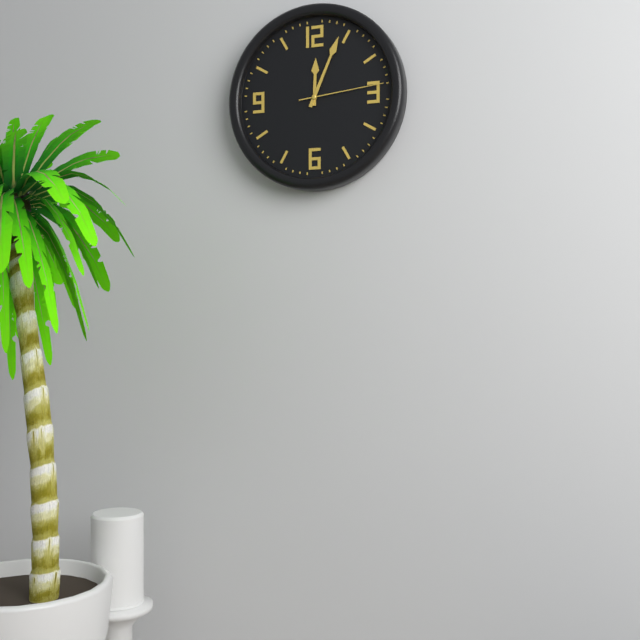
12.04.14
